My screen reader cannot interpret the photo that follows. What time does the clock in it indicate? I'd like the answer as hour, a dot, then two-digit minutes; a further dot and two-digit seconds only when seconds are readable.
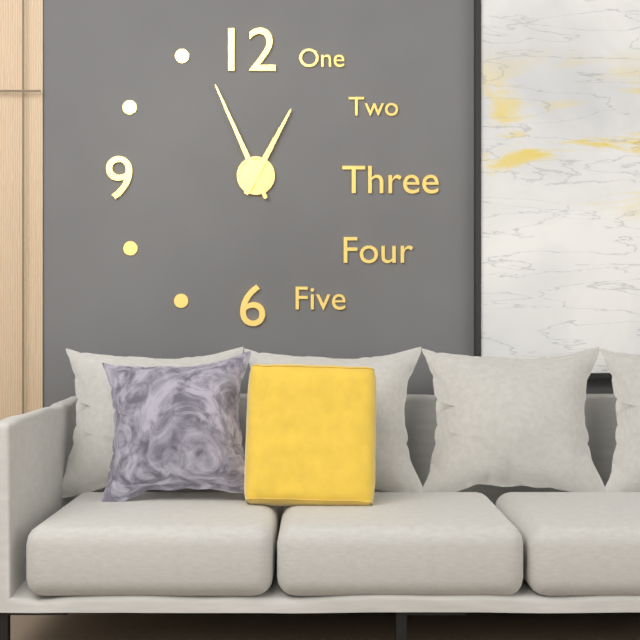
12.56
